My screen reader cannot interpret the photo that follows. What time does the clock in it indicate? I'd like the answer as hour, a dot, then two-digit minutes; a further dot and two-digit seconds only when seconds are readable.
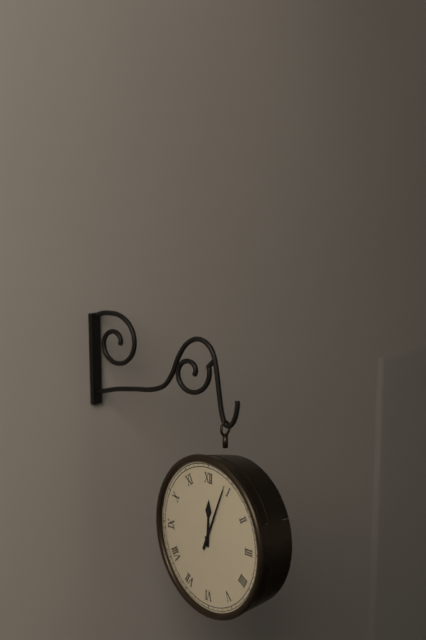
12.04
